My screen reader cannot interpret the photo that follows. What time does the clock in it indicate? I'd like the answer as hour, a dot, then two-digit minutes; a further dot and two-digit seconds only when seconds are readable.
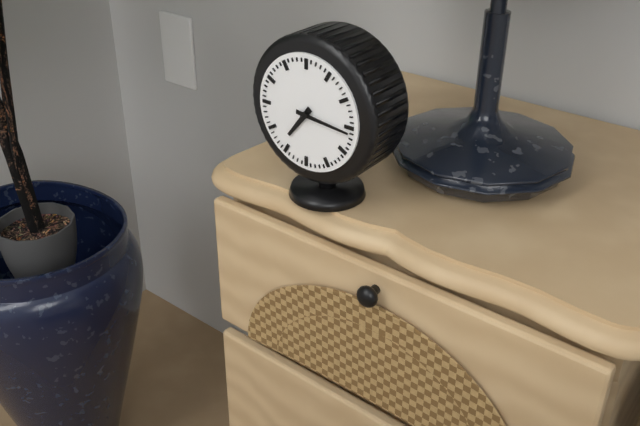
7.16
